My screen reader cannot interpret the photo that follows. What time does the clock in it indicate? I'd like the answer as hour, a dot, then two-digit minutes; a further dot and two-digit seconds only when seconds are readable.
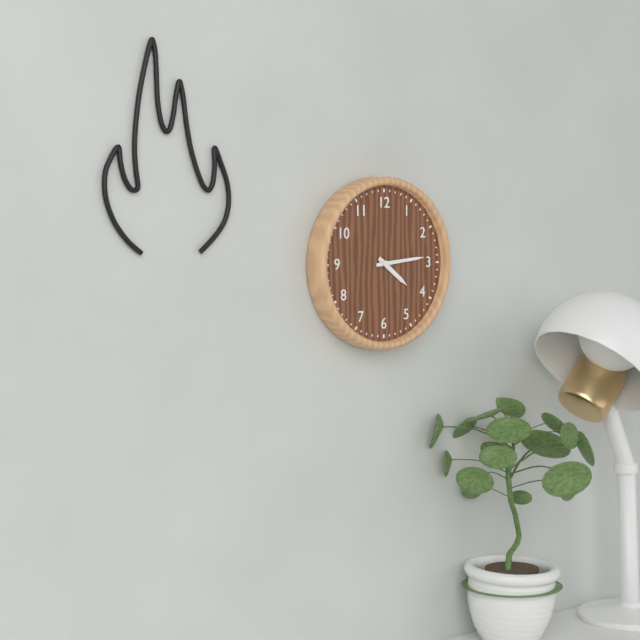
4.14
